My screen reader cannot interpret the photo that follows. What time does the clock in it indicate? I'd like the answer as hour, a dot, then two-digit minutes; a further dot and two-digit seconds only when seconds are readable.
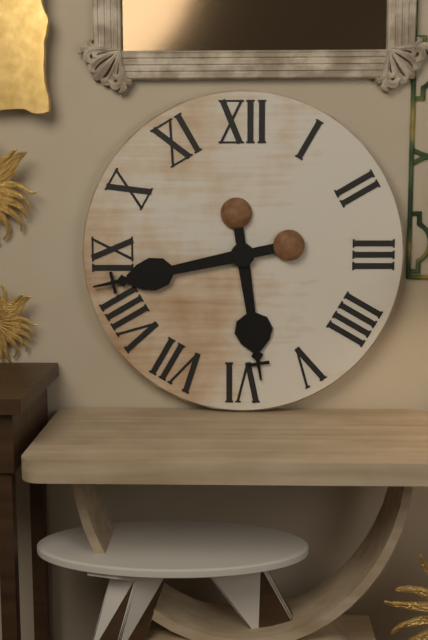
5.43
